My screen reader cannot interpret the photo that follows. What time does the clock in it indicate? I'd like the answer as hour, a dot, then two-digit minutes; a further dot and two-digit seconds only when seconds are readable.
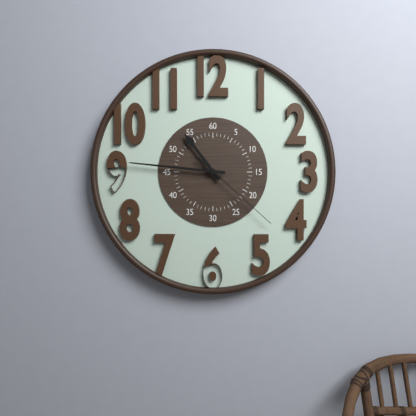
10.46.22
